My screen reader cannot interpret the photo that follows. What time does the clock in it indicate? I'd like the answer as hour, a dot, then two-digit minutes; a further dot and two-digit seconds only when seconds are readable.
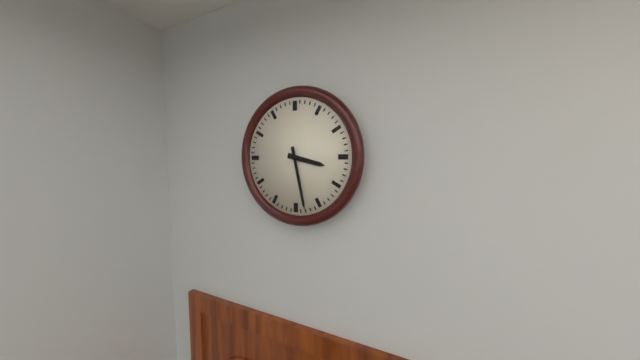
3.28
